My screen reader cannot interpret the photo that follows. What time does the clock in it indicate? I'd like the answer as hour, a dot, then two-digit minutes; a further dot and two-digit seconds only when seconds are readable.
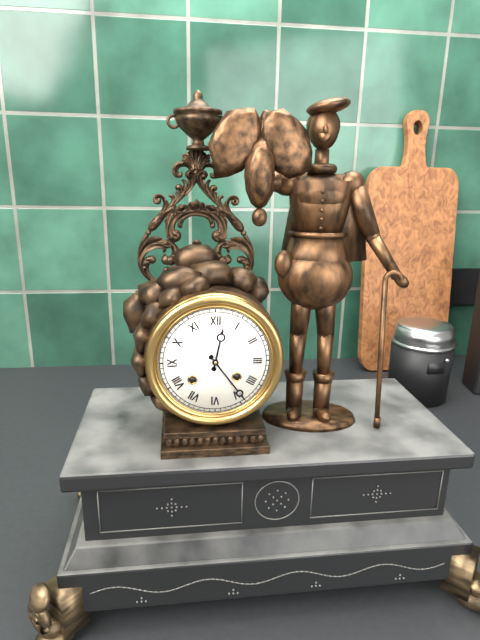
12.24
